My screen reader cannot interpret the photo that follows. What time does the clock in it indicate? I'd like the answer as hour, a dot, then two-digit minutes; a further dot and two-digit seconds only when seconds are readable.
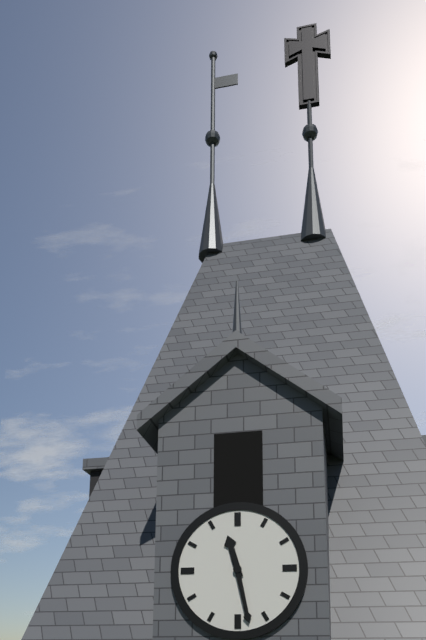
11.28
